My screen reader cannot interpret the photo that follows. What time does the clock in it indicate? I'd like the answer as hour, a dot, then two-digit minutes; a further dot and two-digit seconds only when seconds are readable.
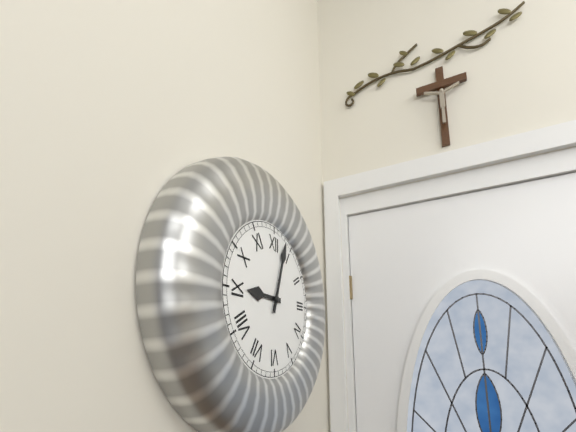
9.03
